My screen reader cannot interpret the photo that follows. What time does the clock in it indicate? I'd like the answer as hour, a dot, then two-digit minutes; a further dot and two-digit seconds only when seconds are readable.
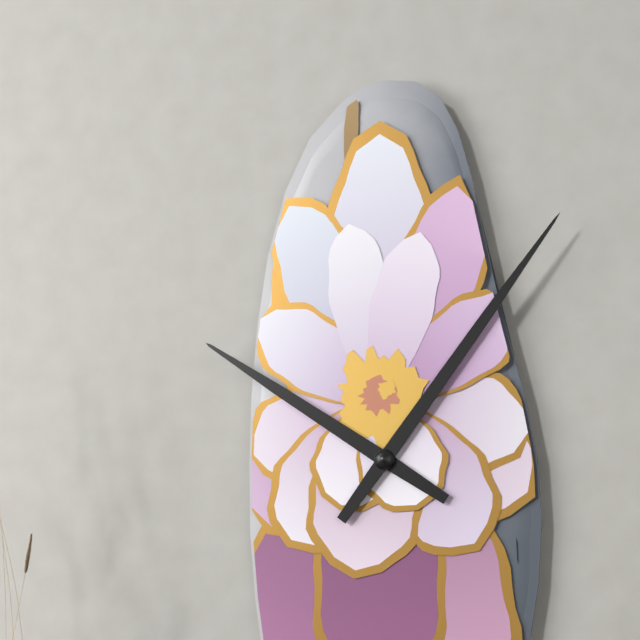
10.06
